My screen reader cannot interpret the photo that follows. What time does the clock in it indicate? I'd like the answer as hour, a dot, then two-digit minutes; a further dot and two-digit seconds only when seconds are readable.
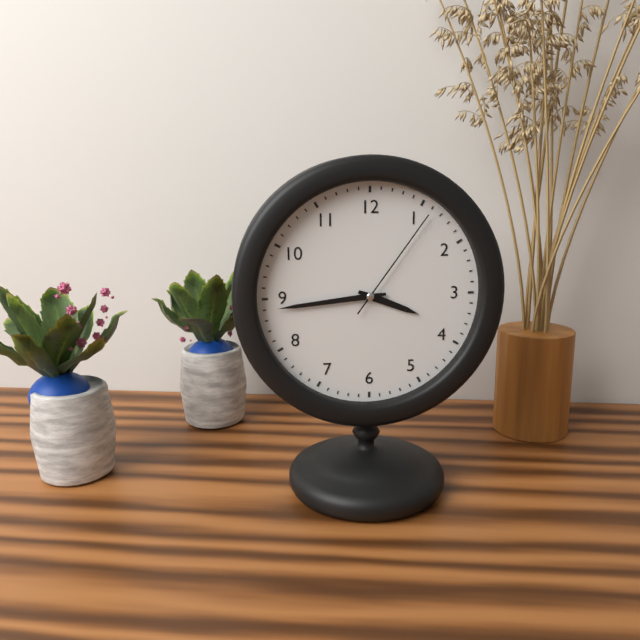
3.44.06
